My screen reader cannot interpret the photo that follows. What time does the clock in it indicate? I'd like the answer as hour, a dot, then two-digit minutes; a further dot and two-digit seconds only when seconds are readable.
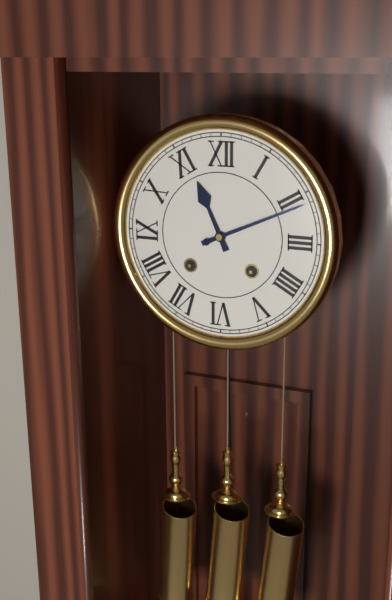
11.11
